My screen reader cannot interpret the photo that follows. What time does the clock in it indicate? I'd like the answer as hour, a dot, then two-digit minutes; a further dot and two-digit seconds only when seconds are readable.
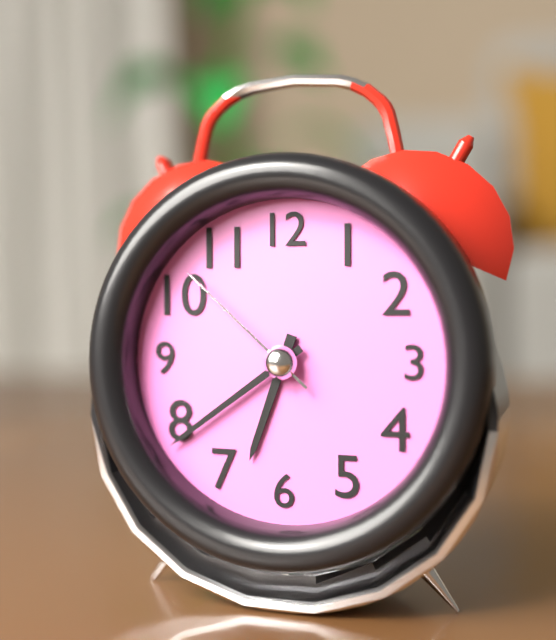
6.39.52
